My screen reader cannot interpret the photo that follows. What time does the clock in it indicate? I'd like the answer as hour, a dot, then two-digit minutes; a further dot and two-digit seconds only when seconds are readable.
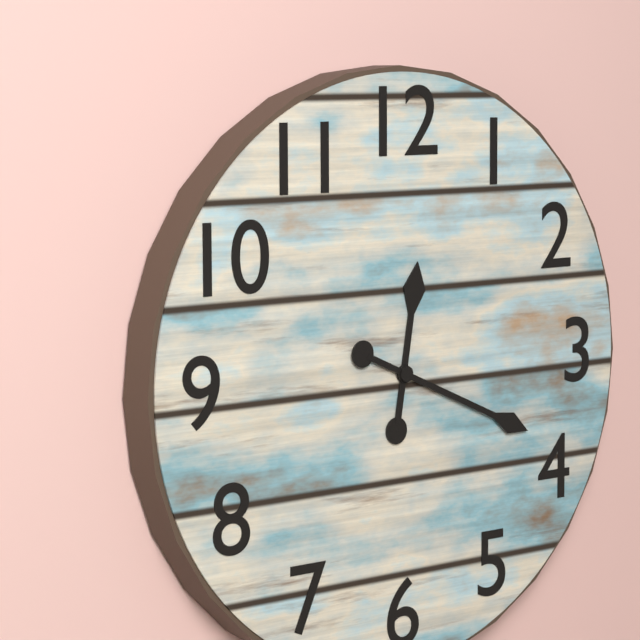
12.19
